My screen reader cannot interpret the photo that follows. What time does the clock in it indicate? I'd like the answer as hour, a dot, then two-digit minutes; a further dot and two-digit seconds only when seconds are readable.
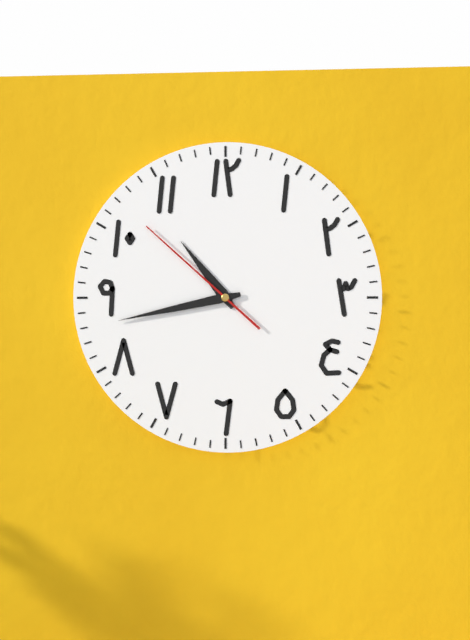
10.43.52
